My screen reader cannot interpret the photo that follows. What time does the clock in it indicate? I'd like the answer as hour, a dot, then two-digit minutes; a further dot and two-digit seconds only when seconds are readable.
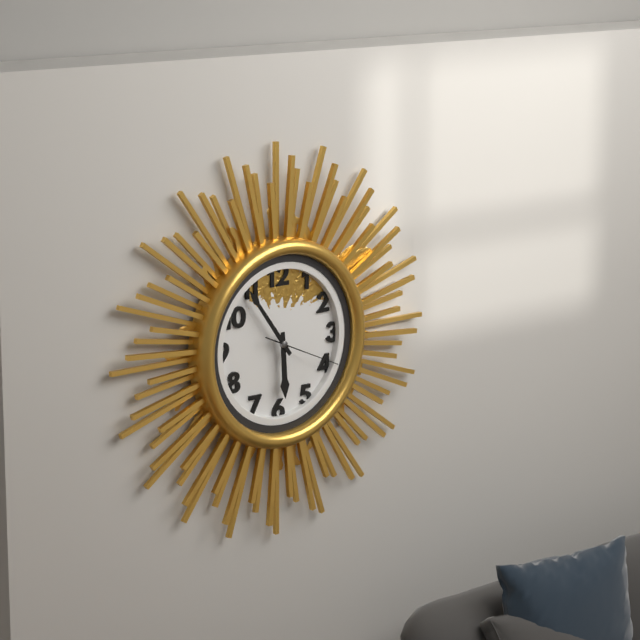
5.54.19
